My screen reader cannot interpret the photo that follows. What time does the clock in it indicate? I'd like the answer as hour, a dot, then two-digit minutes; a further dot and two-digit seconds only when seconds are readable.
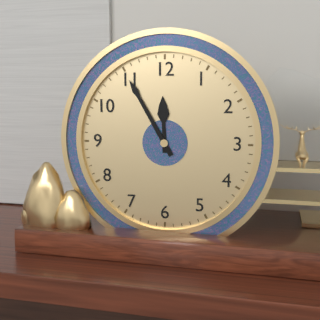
11.55
